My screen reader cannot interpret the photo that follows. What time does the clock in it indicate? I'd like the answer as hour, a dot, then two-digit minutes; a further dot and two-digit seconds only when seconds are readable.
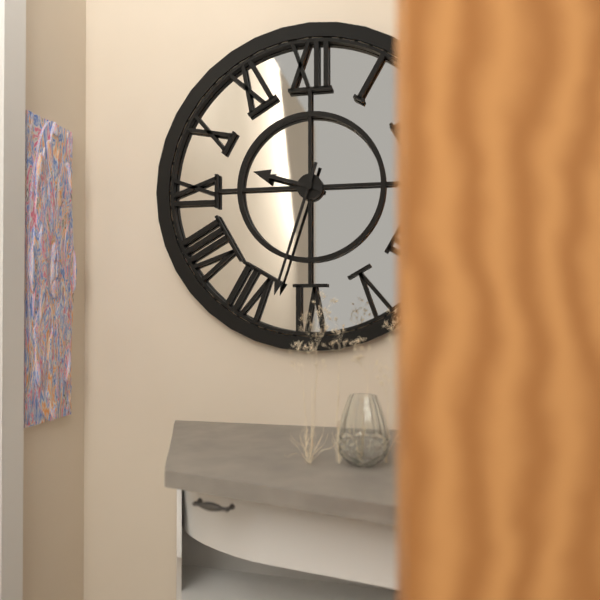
9.33
